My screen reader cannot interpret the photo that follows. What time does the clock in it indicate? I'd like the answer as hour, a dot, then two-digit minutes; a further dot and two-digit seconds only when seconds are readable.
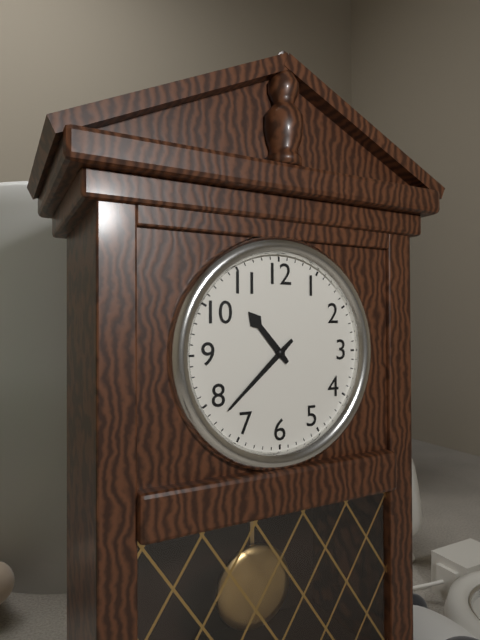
10.38
